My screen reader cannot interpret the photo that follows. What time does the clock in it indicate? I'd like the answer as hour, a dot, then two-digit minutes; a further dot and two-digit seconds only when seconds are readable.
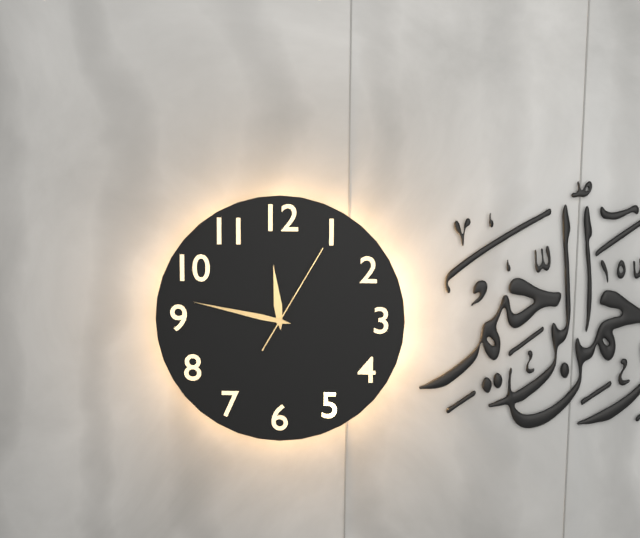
11.47.05
